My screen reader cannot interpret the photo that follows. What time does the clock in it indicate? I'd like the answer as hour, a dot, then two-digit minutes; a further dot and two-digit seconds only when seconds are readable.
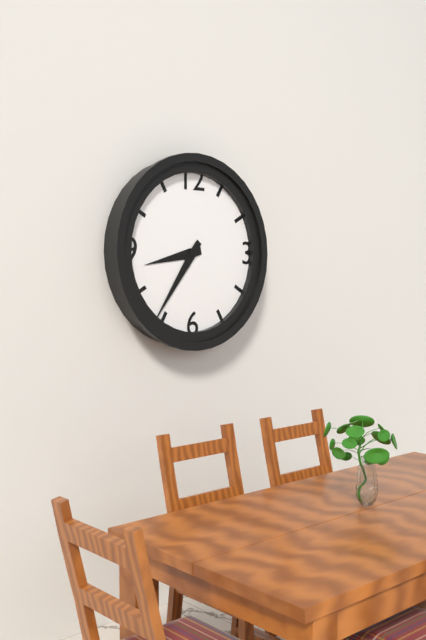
8.36
